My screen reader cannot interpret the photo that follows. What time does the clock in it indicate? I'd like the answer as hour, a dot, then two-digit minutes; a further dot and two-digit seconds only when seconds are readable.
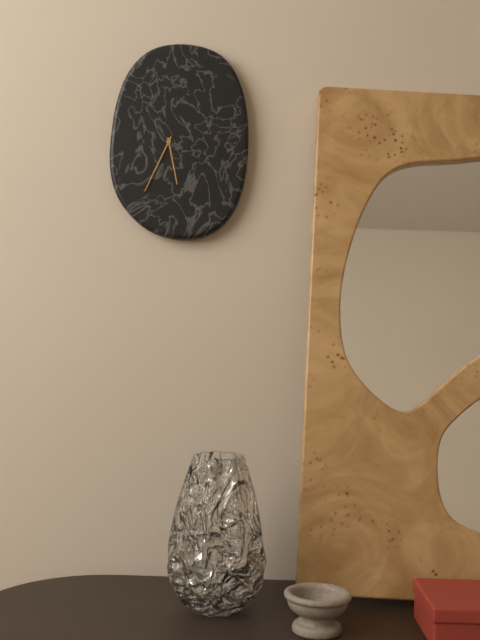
5.34
